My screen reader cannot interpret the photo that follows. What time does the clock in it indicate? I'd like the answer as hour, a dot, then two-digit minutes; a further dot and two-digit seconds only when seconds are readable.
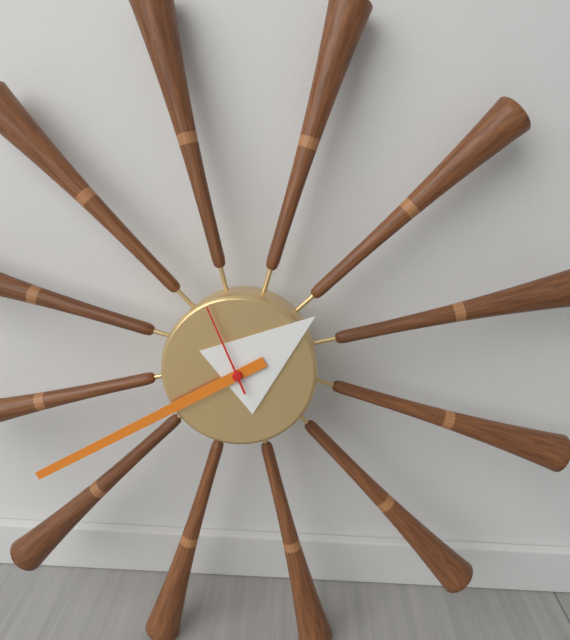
1.40.56
